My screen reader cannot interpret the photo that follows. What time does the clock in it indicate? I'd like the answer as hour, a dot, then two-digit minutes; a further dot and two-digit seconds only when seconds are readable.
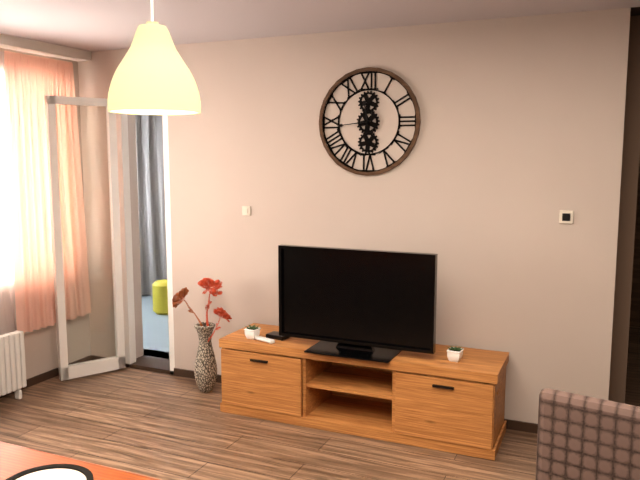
11.44
